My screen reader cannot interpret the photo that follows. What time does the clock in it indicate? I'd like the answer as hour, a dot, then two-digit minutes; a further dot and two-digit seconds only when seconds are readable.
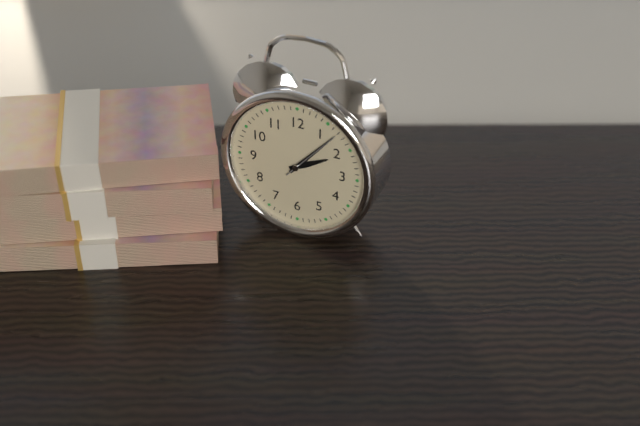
2.07.07
